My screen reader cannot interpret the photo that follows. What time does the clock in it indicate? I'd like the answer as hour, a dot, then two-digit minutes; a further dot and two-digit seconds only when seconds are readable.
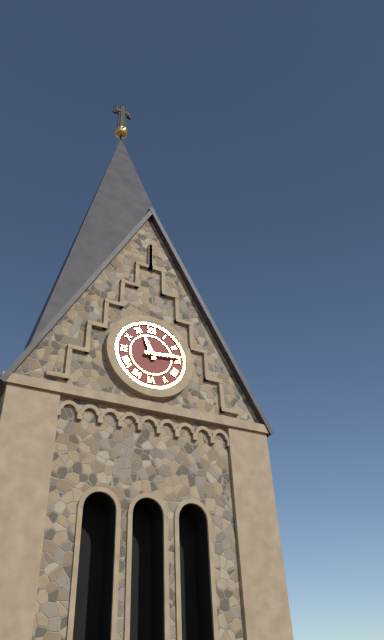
11.14
